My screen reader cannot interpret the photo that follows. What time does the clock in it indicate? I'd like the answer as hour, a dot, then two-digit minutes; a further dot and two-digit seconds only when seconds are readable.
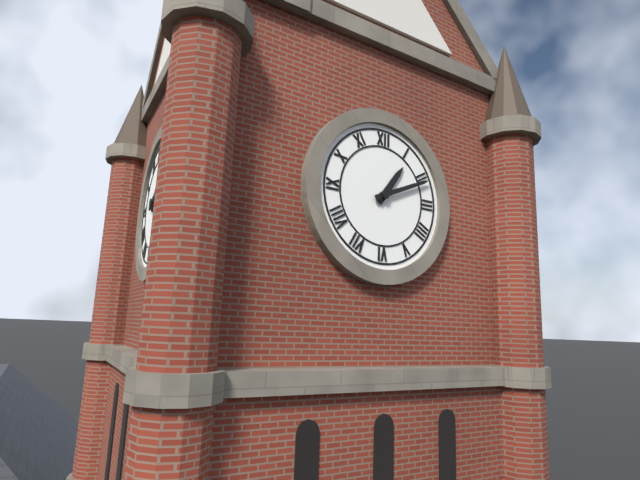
1.11
